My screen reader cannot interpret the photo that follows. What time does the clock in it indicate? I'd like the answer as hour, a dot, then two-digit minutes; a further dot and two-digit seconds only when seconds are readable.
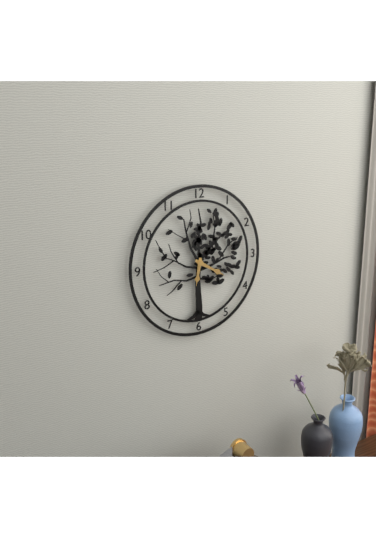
6.20
